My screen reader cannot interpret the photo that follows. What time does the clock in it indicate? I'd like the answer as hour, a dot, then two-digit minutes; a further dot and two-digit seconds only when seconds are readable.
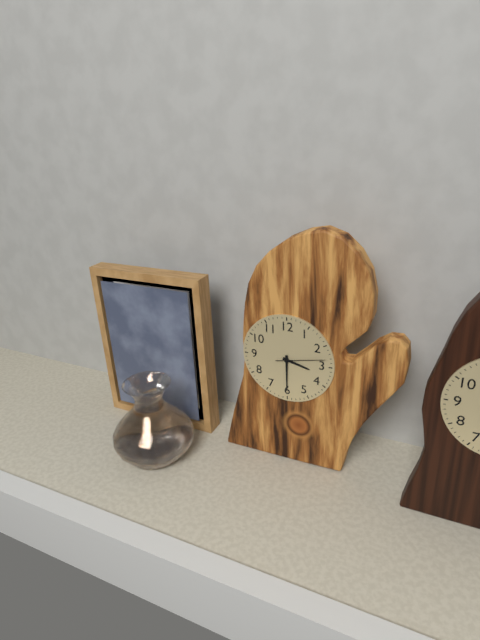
3.30.13
